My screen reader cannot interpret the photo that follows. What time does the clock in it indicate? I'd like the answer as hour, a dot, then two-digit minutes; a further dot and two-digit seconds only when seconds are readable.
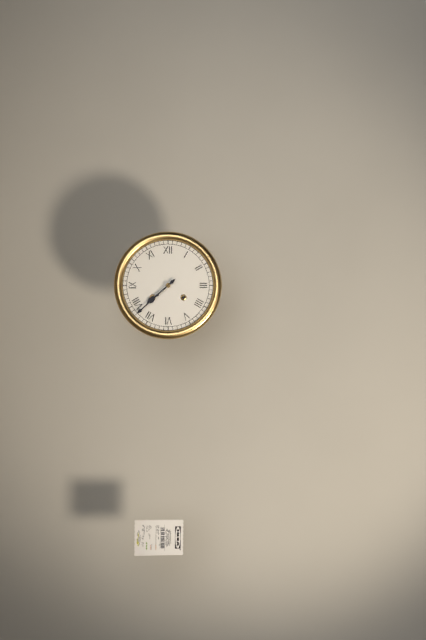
7.38
